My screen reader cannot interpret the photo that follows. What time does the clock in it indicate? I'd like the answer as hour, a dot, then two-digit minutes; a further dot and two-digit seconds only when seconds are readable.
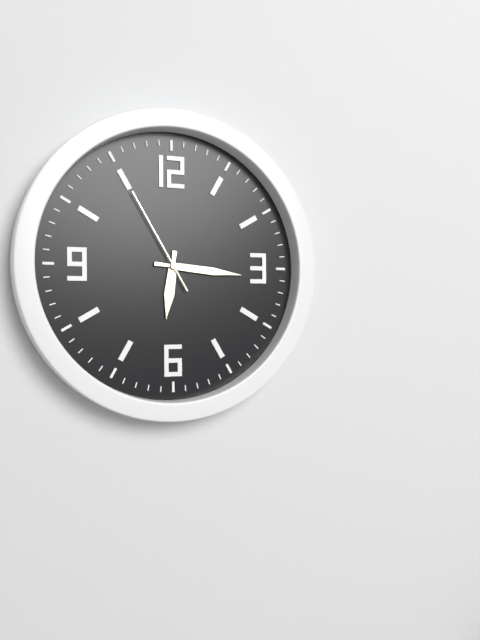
6.16.55
